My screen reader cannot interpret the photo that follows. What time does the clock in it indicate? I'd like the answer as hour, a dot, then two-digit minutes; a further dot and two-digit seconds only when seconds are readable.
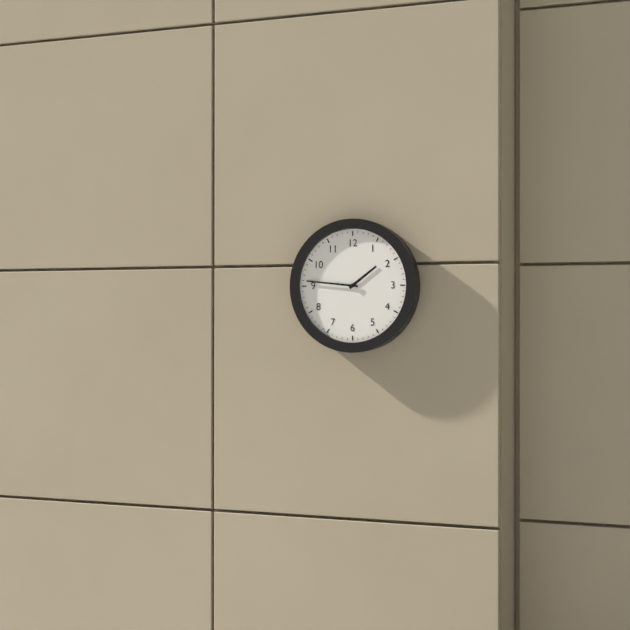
1.46
